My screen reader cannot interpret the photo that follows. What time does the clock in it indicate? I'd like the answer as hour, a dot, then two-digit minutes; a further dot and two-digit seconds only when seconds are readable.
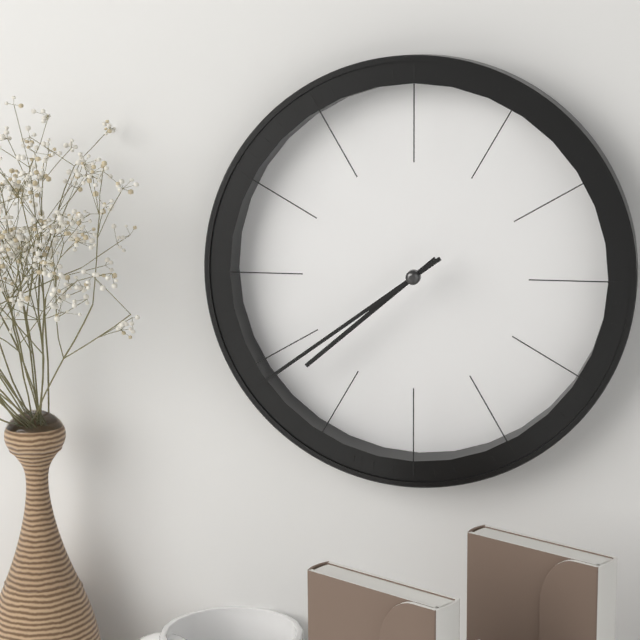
7.39
